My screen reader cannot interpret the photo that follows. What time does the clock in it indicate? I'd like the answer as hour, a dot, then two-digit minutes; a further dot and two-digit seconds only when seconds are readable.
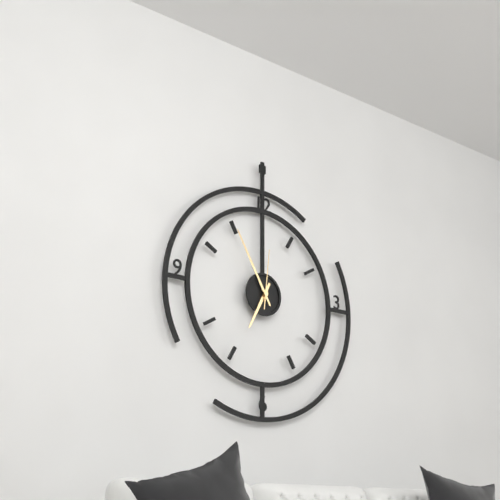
6.55.01
